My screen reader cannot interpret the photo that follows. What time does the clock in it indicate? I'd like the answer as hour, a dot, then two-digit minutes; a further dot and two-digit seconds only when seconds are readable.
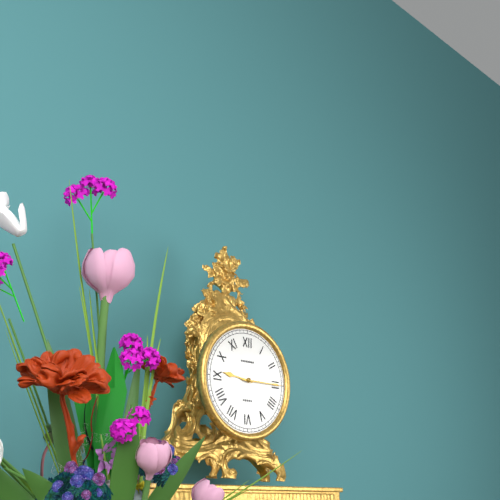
9.15
